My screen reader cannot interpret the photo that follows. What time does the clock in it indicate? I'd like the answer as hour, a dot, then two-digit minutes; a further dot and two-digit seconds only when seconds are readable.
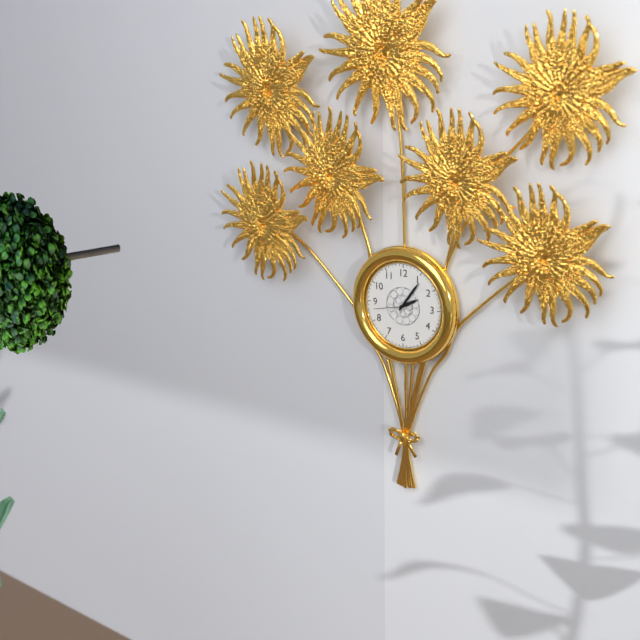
2.06
